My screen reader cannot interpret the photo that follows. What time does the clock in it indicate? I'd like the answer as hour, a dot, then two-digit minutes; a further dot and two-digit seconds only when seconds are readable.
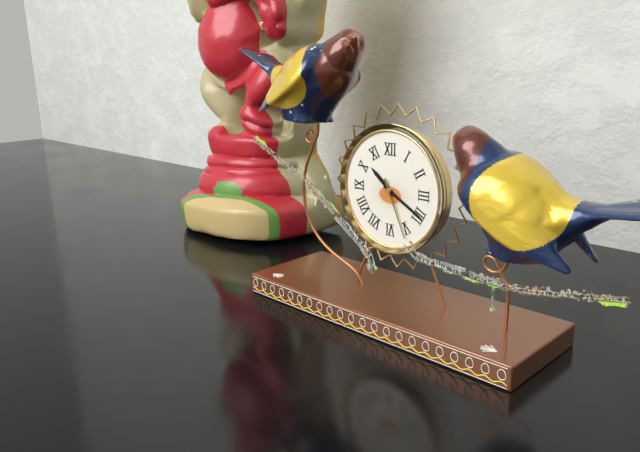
10.20.26
